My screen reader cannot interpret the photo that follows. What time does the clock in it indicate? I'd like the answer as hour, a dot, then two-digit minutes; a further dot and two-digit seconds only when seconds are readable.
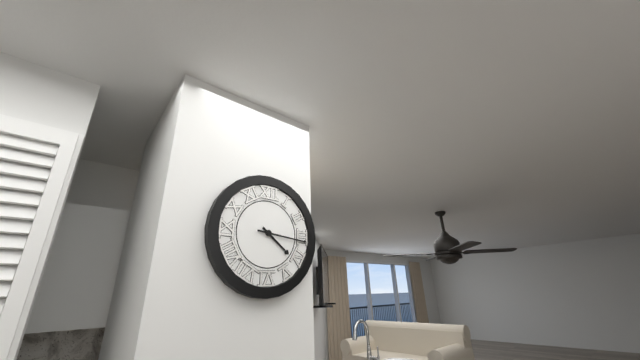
4.16
